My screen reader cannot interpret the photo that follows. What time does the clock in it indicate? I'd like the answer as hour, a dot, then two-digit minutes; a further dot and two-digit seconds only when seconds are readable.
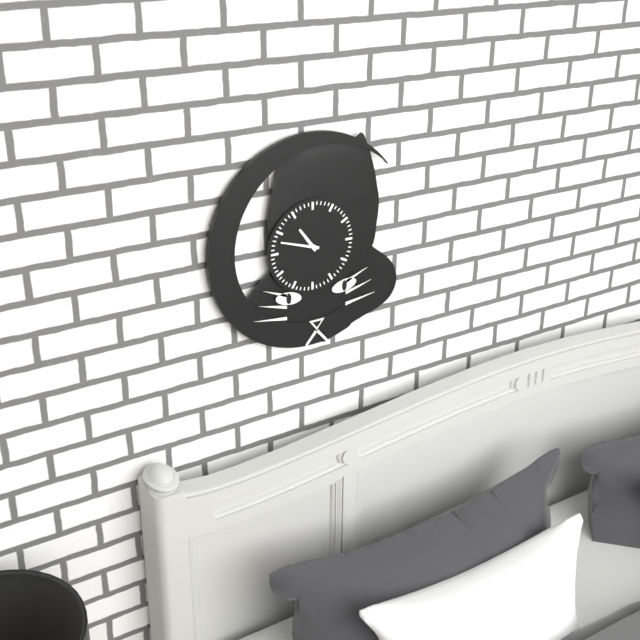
10.48
